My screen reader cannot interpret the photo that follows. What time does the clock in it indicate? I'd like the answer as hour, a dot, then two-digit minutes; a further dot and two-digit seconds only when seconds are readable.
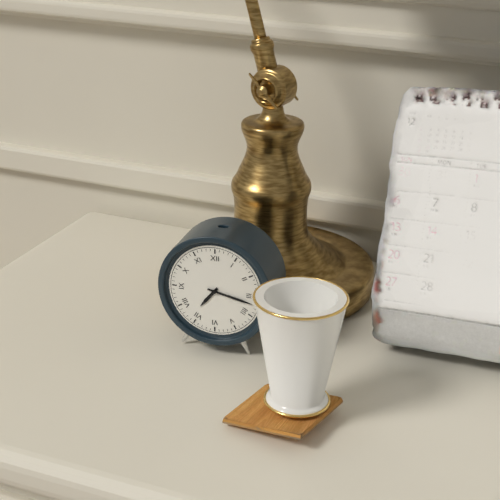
7.17
